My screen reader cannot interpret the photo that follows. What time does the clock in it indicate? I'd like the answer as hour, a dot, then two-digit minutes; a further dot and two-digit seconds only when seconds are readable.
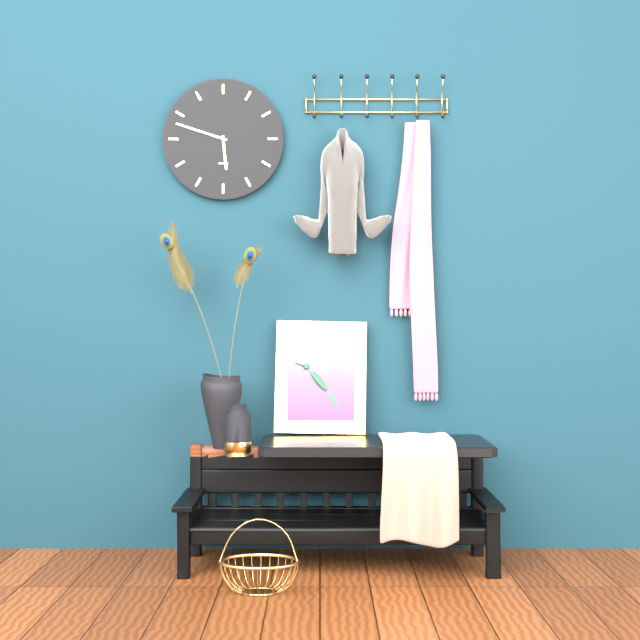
5.48
